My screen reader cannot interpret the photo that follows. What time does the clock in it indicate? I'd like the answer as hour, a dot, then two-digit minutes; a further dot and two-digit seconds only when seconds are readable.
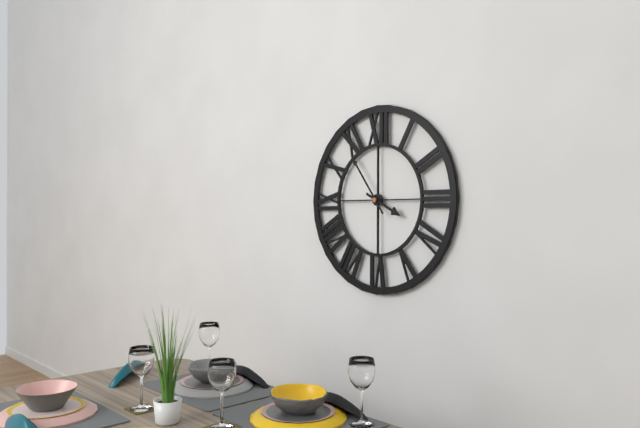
3.54
